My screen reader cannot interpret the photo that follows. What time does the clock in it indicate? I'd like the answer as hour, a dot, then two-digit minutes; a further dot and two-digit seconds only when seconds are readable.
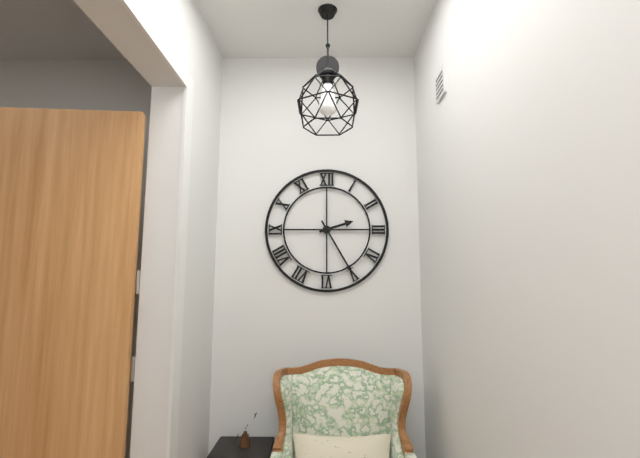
2.25
